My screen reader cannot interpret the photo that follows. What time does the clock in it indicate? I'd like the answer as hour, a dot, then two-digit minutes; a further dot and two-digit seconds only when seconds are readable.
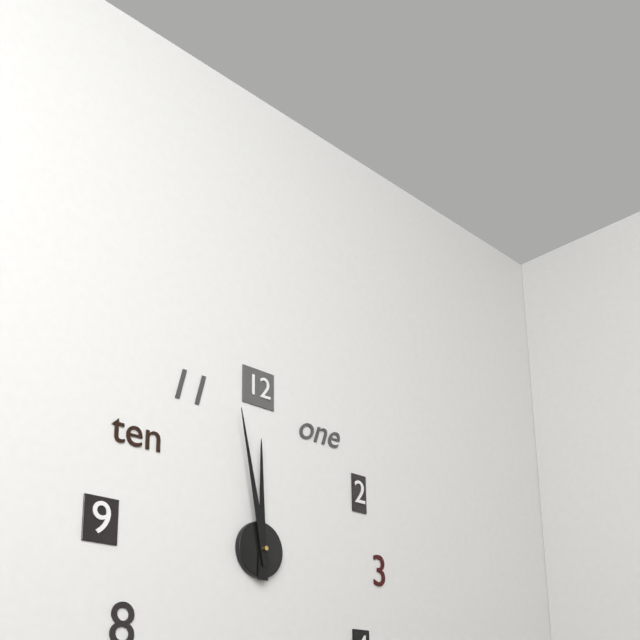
11.58
